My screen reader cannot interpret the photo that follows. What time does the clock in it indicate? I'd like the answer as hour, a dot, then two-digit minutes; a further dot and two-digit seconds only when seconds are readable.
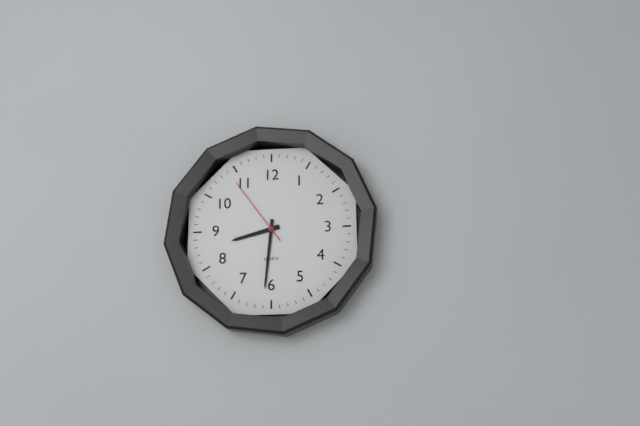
8.31.54
